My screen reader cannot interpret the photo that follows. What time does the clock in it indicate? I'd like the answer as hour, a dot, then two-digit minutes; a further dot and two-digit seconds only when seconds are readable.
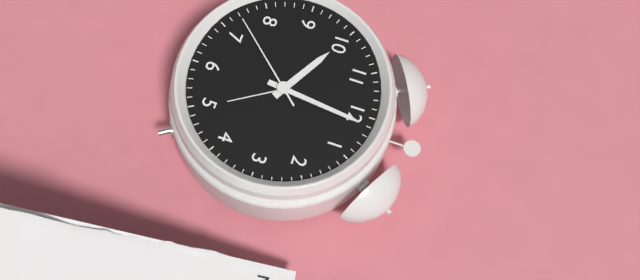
10.01.37
